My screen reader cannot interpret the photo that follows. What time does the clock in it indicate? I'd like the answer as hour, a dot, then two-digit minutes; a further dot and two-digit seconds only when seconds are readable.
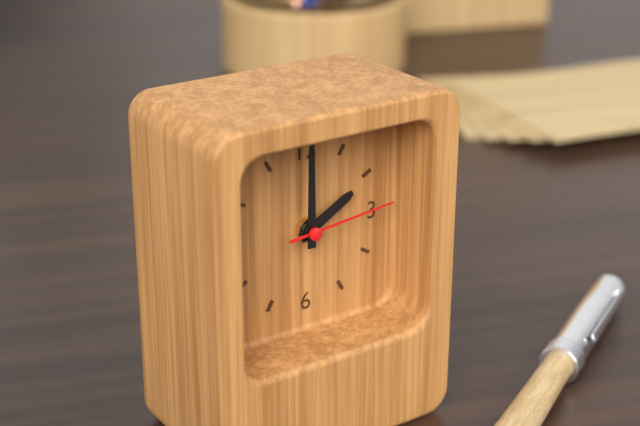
2.00.14
